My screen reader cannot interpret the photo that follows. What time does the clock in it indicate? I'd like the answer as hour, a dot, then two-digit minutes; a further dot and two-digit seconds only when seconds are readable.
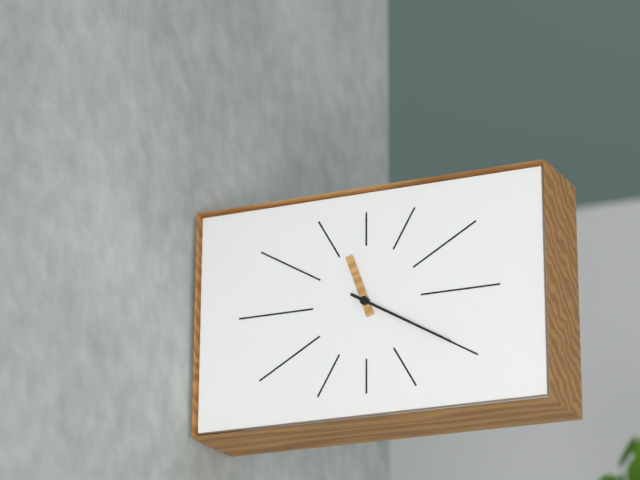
11.20
